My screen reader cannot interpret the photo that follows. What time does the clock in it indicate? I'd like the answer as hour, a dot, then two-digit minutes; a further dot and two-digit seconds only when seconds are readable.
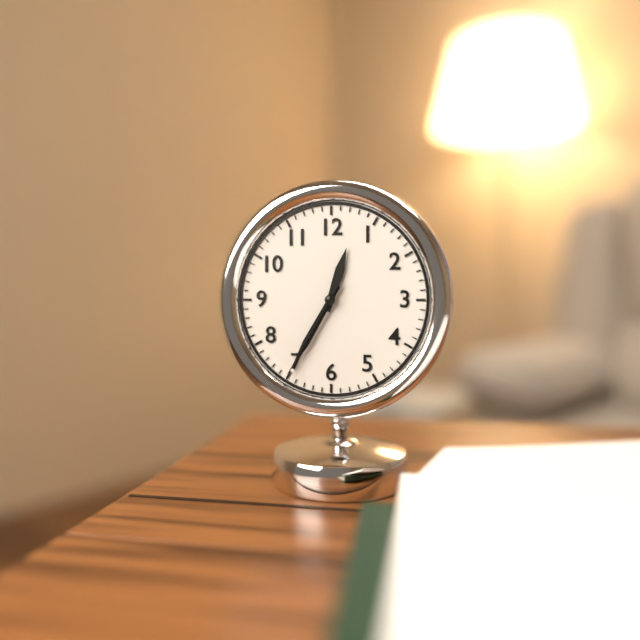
12.35.35
